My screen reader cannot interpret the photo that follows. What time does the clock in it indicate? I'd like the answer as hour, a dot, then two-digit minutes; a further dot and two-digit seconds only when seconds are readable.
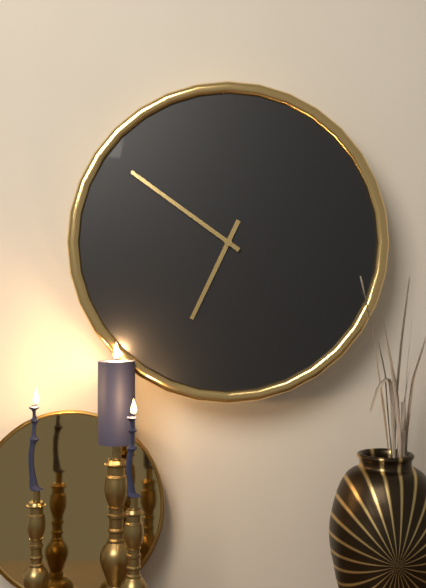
6.51
